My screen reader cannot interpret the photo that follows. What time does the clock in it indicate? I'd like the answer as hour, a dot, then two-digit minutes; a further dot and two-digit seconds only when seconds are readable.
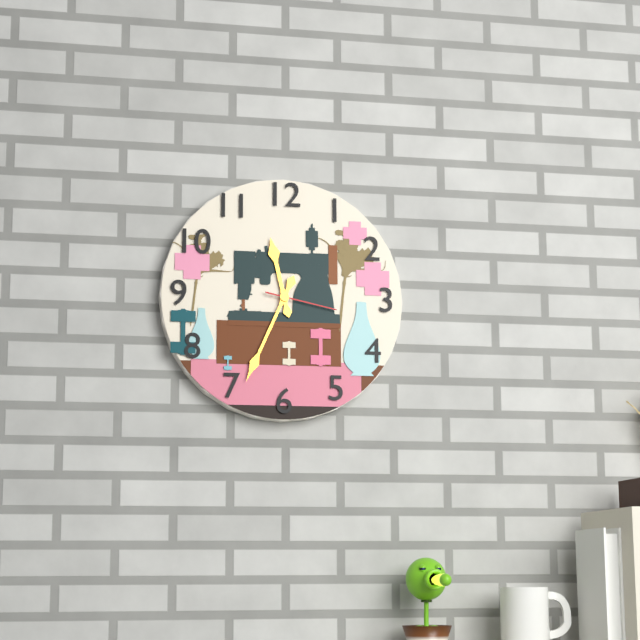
11.34.17
